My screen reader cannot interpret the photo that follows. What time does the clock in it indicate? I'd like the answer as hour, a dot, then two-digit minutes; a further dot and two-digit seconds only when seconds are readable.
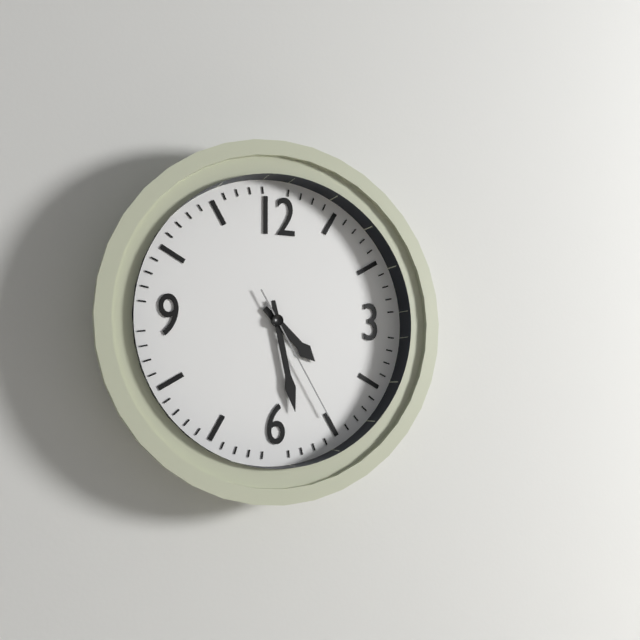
4.28.25
